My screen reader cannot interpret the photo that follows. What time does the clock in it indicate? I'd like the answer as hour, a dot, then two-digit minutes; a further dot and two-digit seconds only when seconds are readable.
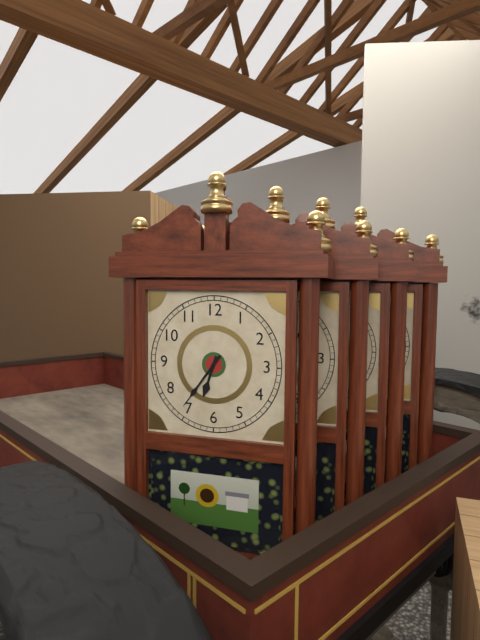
6.36
